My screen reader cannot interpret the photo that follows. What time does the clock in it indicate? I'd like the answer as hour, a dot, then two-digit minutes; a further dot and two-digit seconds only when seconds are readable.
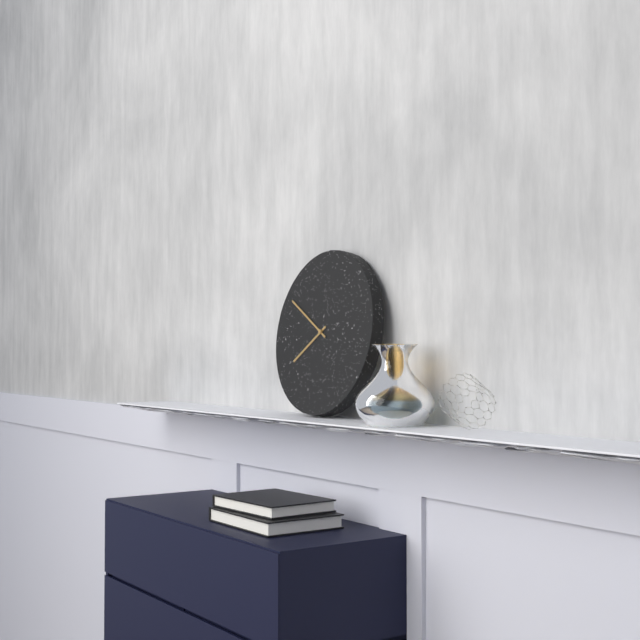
7.50
